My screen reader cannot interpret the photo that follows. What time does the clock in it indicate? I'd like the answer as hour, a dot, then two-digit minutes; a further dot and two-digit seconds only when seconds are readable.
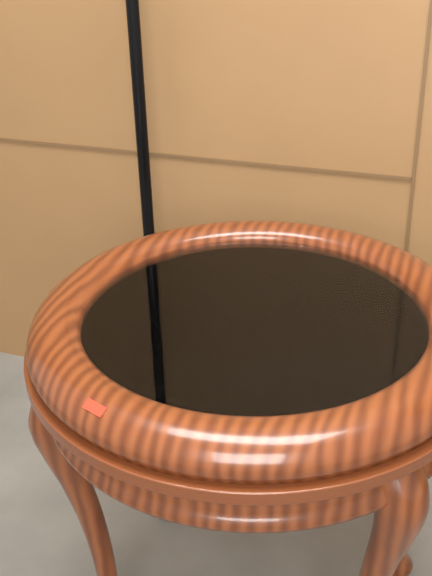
6.43
